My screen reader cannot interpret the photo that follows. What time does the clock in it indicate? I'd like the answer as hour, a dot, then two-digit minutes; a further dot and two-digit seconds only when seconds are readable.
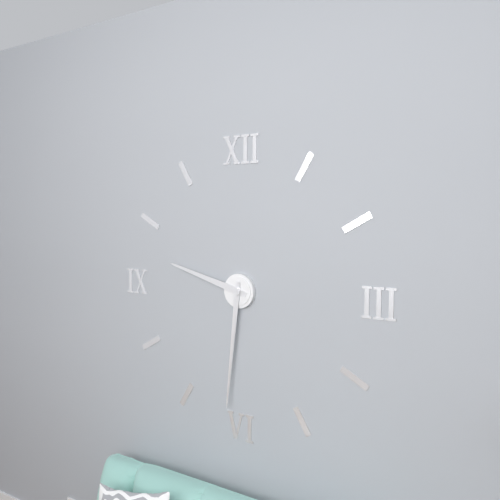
9.31
